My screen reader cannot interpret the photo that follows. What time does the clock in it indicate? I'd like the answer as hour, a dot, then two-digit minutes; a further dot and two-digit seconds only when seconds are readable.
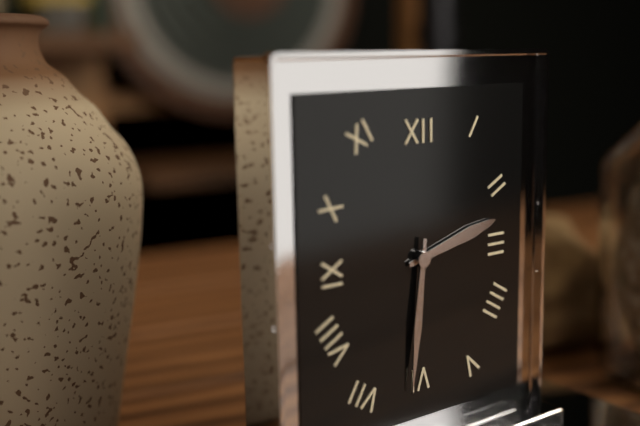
2.31
